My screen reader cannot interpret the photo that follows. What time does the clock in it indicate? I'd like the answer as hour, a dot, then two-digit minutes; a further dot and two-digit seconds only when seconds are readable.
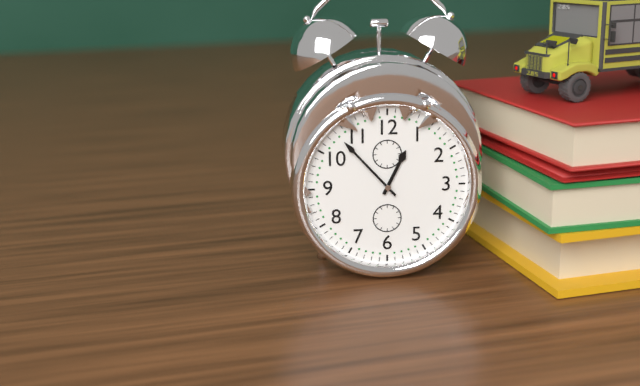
12.53
